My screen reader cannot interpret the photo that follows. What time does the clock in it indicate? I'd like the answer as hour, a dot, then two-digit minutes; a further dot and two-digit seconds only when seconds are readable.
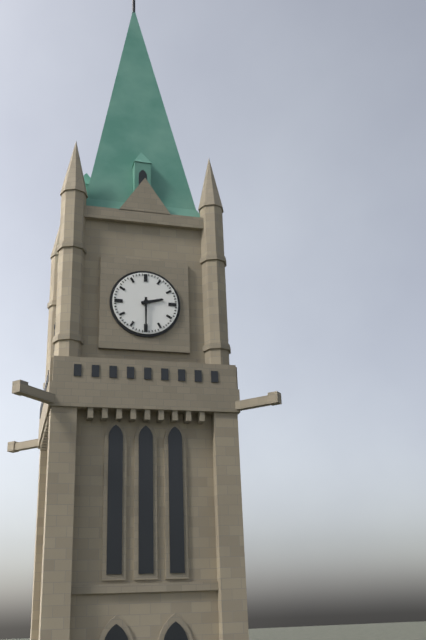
2.30
